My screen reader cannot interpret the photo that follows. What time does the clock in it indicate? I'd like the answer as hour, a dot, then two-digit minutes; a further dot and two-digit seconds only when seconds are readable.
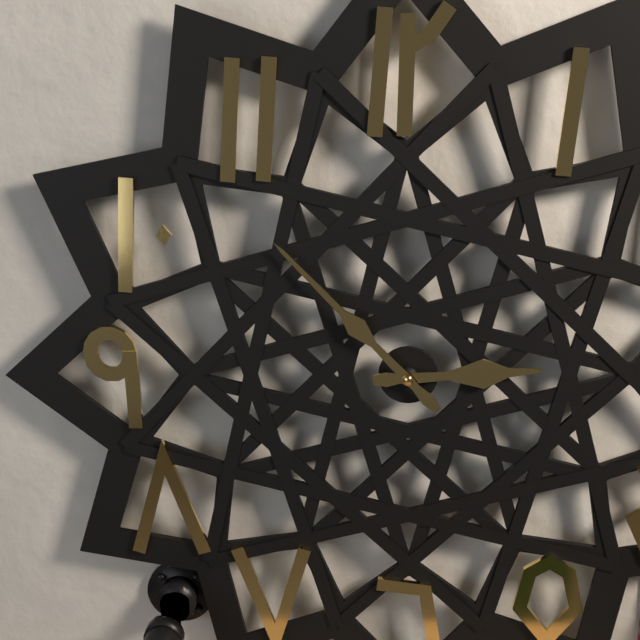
2.53
